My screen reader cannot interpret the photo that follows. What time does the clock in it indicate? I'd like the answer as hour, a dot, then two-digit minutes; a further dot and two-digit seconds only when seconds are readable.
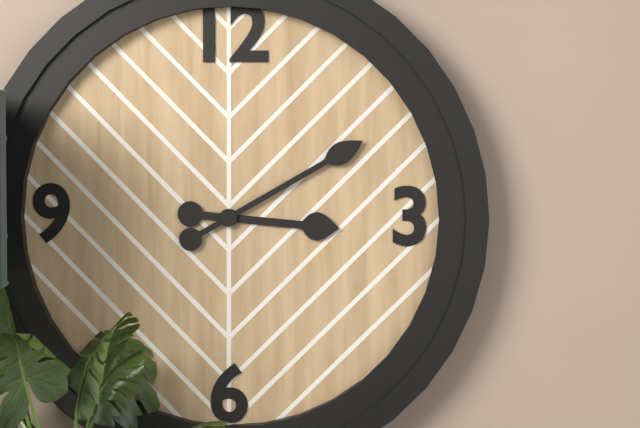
3.10
